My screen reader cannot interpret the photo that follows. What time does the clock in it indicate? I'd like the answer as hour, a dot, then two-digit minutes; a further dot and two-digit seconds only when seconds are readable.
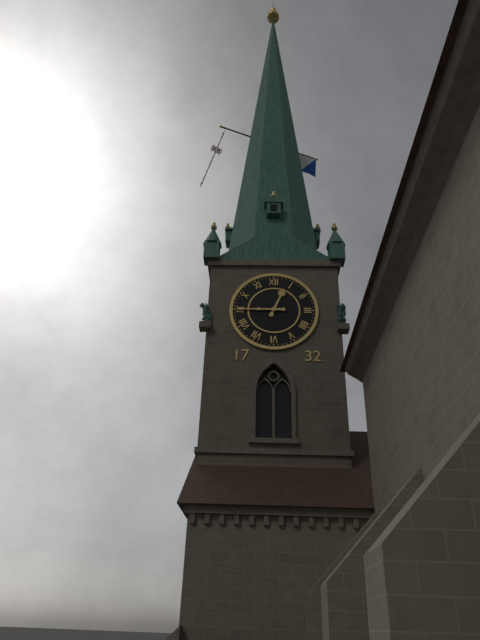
12.45
